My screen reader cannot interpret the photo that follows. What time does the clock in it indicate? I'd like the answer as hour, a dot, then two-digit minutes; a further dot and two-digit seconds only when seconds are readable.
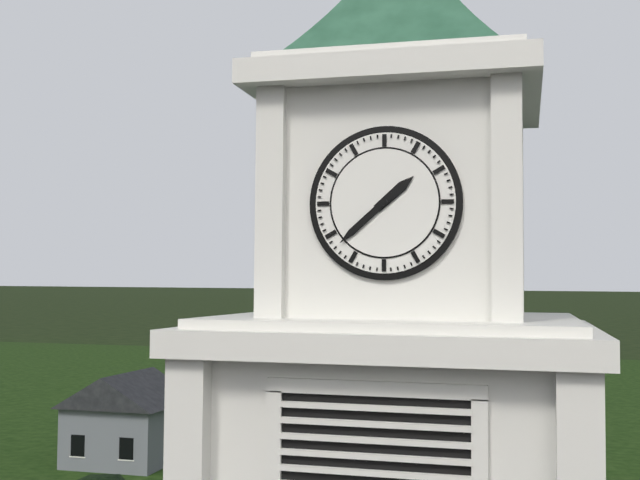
1.38
